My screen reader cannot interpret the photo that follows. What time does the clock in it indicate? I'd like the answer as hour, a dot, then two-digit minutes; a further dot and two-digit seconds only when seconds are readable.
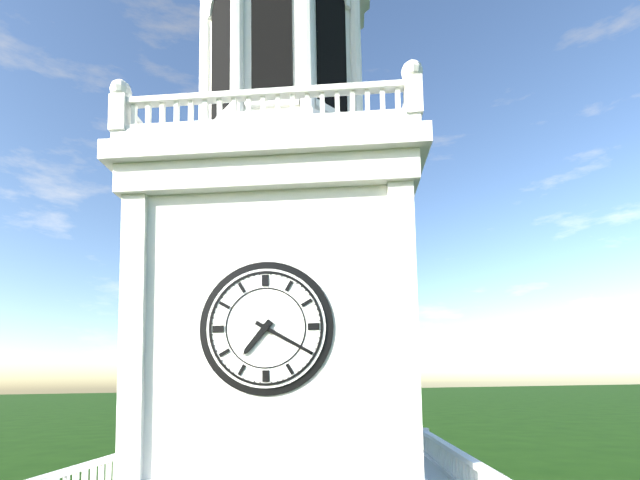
7.20
